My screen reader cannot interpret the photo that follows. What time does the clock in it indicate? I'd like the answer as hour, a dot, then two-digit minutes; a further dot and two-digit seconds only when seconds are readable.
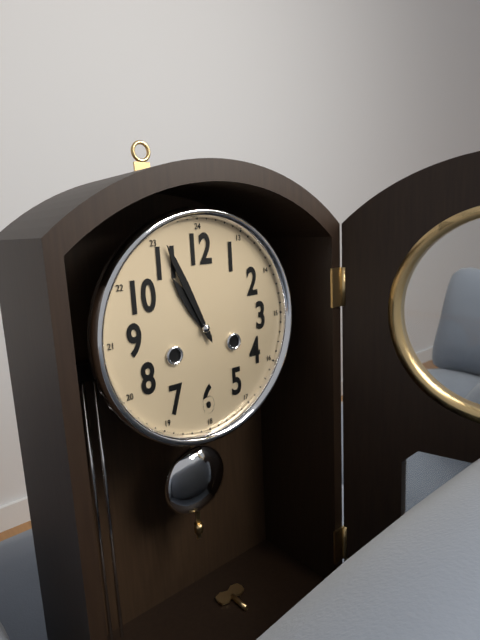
10.56
